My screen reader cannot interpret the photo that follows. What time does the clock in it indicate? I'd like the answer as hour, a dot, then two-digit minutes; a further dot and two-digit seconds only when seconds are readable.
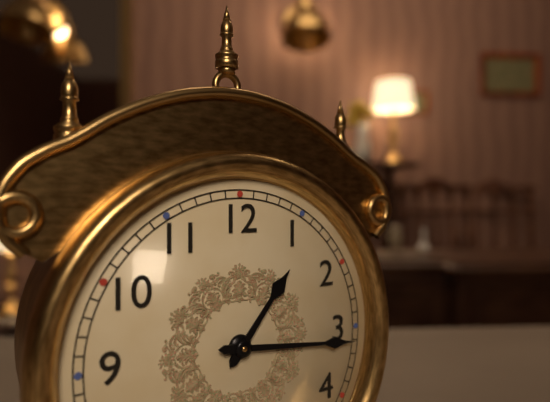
1.16
